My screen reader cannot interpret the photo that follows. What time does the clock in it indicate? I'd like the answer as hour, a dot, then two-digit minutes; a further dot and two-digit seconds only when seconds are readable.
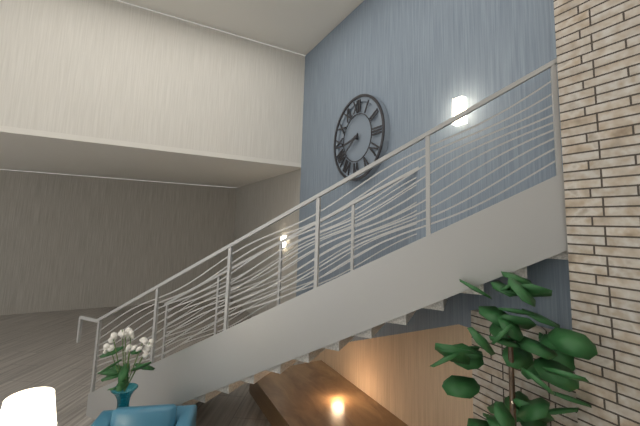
8.39
